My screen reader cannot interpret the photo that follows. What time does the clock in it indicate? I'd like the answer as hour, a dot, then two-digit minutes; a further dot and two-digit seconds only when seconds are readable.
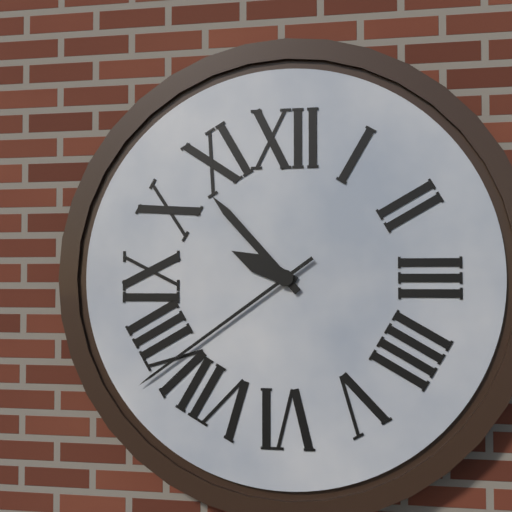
9.53.39
